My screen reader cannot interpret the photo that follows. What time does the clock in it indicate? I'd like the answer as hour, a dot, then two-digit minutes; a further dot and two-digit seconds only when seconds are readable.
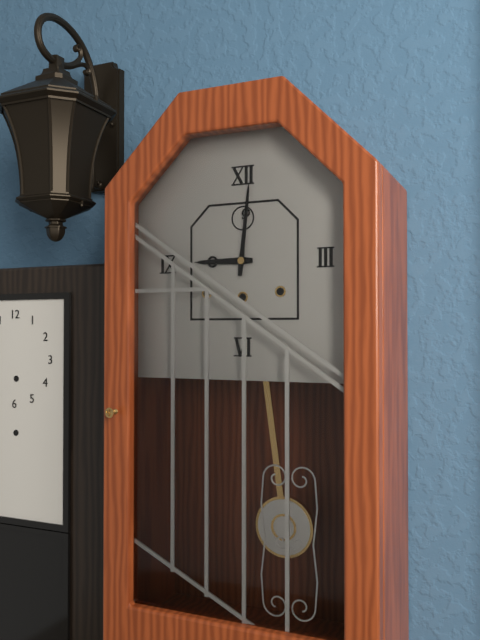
9.01
